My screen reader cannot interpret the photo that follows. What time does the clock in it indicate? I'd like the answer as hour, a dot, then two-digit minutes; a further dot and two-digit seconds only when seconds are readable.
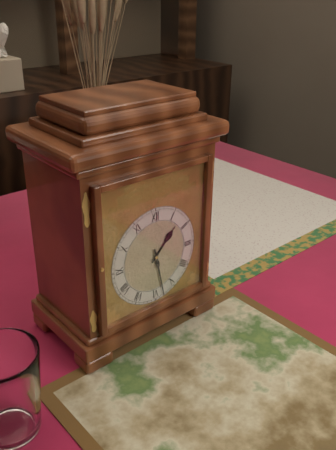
1.28
